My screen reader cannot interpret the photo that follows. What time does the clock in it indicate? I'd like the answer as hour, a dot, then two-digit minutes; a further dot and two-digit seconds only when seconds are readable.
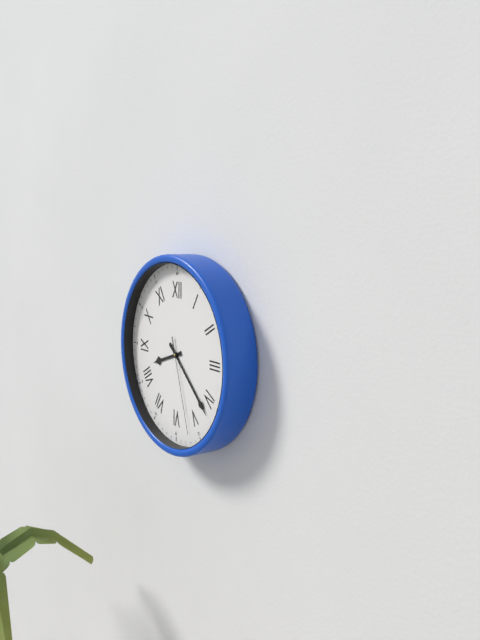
8.22.27
